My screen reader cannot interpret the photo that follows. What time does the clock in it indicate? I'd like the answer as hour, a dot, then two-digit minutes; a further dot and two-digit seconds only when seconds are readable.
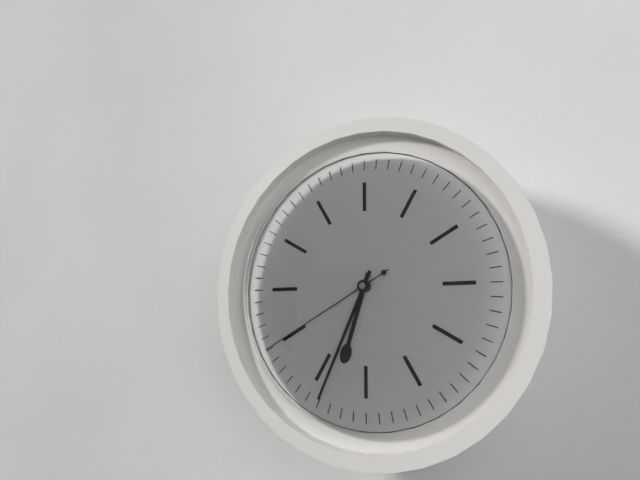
6.34.40
